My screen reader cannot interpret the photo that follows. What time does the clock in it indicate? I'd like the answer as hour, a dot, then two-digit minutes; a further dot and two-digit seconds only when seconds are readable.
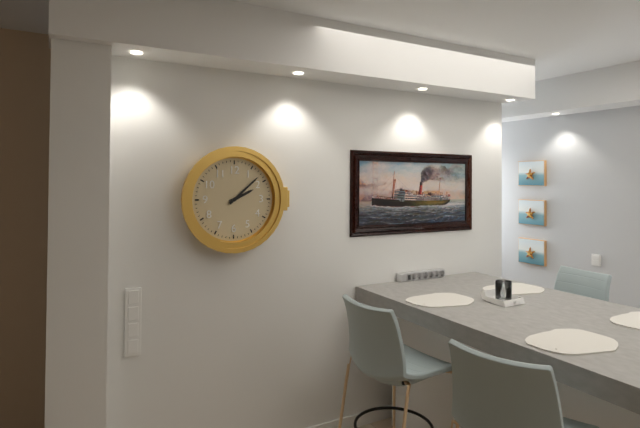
2.08
